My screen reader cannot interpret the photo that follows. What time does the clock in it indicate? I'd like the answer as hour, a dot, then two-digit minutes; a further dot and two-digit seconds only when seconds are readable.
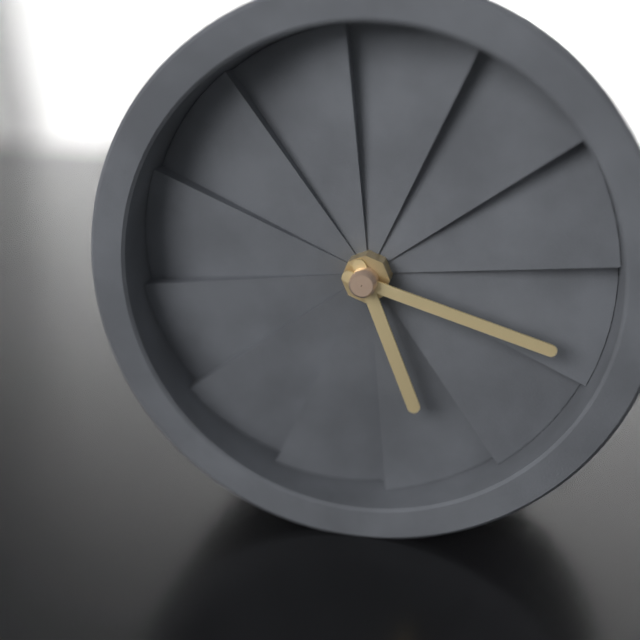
5.18
